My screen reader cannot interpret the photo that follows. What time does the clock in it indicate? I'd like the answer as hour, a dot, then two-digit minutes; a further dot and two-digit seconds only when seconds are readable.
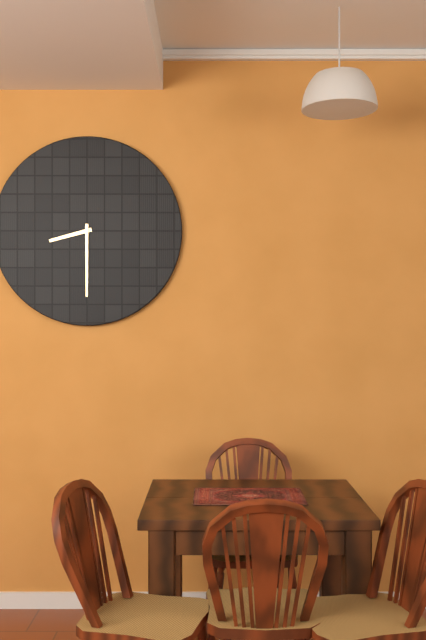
8.30
